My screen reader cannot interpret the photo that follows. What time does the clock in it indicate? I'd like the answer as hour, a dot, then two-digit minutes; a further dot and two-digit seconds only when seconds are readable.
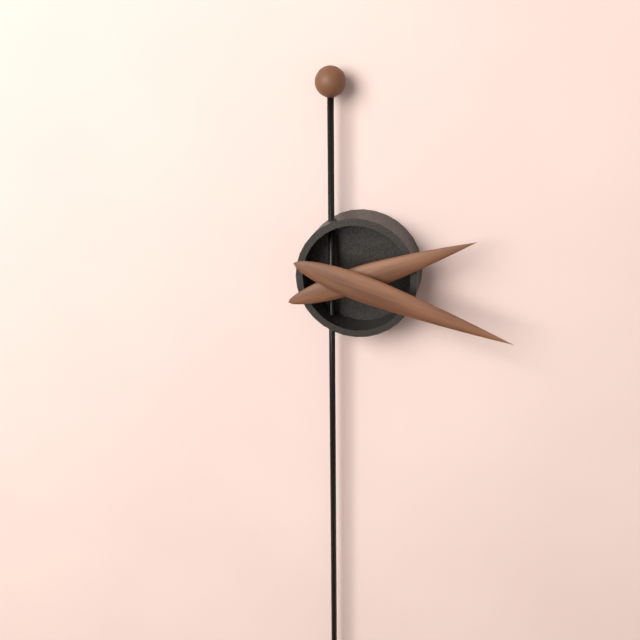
2.18
